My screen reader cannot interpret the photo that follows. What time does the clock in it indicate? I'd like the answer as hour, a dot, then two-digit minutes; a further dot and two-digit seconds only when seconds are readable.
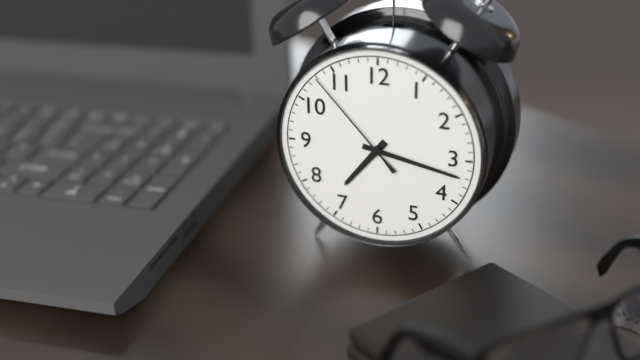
7.17.53
